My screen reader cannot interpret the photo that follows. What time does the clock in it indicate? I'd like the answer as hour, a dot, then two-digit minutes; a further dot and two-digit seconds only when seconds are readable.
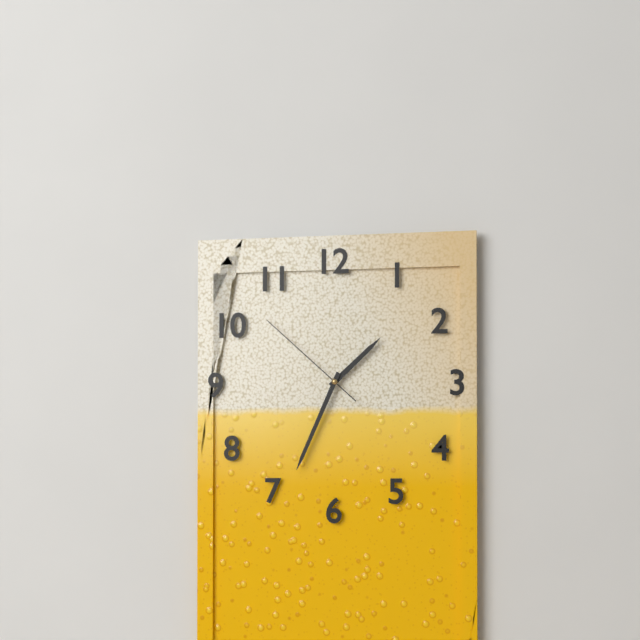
1.34.52
